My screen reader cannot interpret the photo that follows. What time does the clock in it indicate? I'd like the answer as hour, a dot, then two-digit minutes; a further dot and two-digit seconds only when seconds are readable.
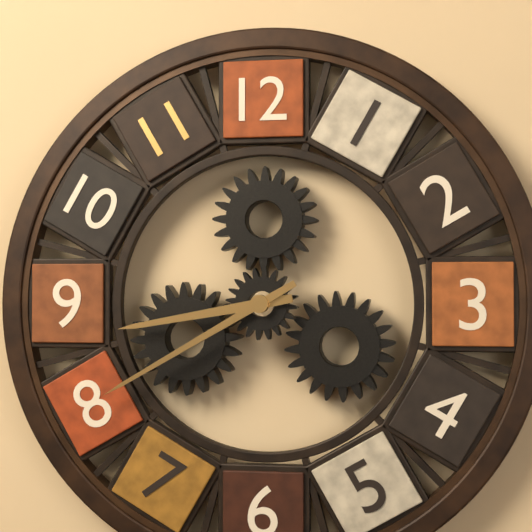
8.40
